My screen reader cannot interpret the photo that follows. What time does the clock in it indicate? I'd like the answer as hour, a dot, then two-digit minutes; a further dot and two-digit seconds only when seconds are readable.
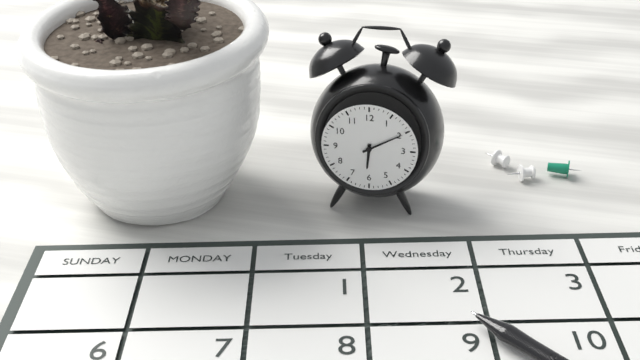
6.10
